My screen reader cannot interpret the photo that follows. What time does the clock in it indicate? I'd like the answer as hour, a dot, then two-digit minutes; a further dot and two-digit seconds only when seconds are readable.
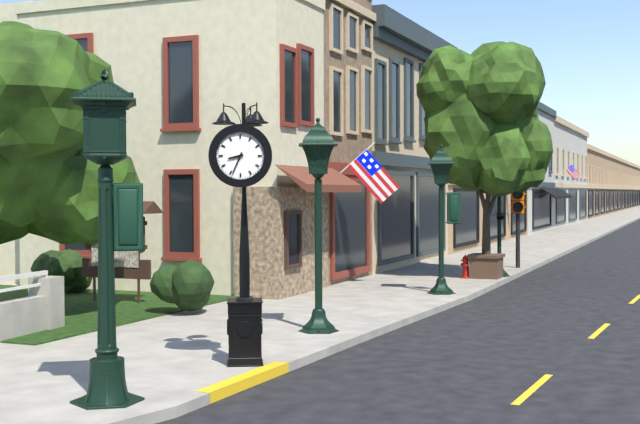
8.34
